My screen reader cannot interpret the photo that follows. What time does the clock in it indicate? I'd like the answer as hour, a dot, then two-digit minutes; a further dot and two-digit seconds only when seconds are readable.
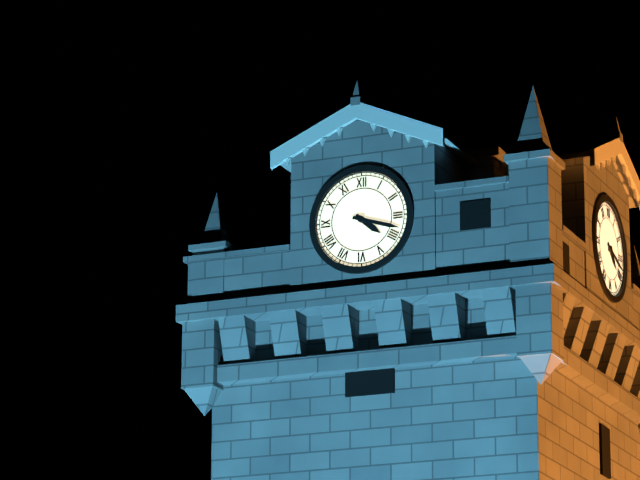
4.18
